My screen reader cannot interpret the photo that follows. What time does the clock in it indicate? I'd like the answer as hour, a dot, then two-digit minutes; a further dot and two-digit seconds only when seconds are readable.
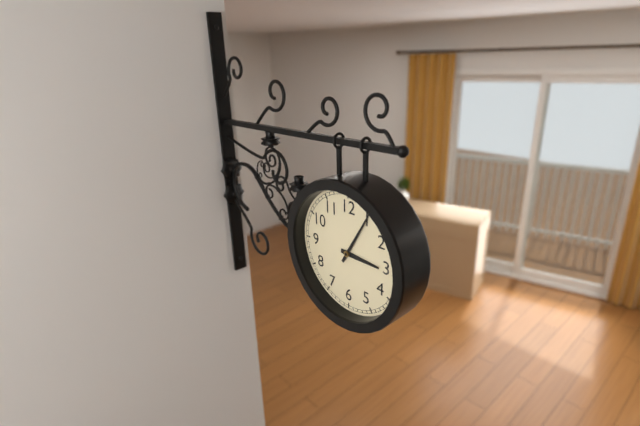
3.05
